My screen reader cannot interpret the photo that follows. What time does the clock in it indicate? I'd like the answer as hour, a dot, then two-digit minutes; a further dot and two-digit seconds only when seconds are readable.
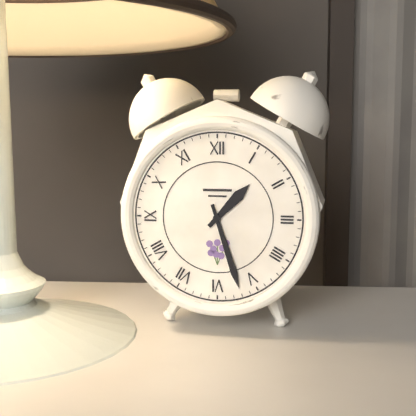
1.27
